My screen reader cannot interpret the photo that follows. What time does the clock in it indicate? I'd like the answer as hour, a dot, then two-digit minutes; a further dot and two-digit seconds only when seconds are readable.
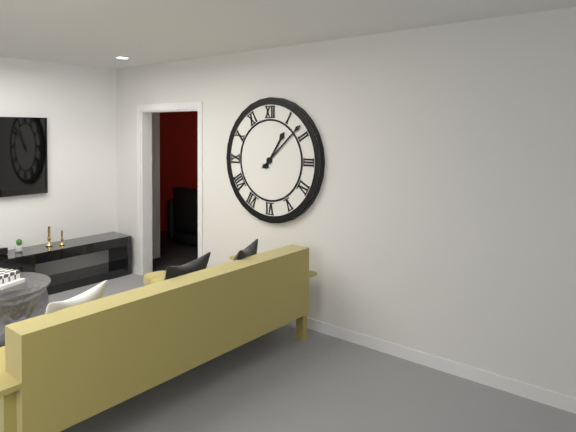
1.08
